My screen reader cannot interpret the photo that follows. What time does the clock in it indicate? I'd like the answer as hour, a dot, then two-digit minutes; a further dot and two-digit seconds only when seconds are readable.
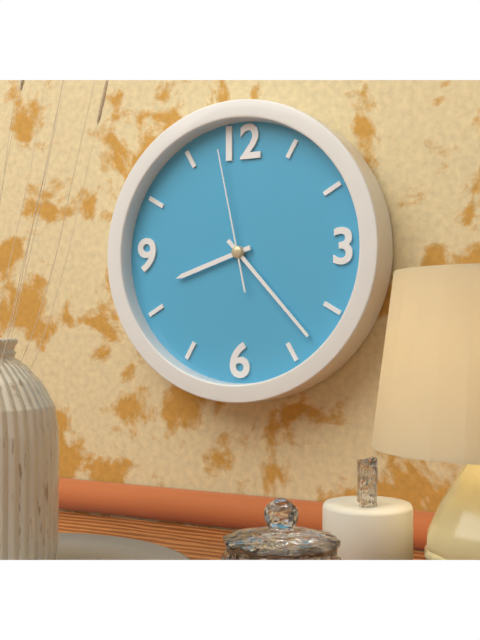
8.23.58
